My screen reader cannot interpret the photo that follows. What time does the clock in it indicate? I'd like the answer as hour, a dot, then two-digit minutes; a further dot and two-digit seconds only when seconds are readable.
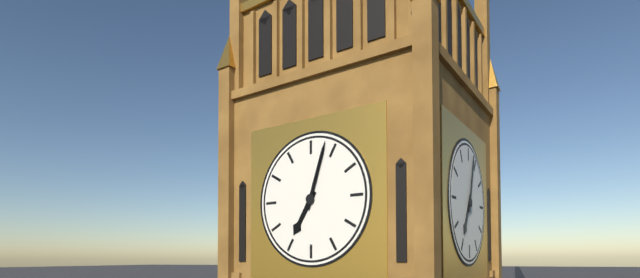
7.03
